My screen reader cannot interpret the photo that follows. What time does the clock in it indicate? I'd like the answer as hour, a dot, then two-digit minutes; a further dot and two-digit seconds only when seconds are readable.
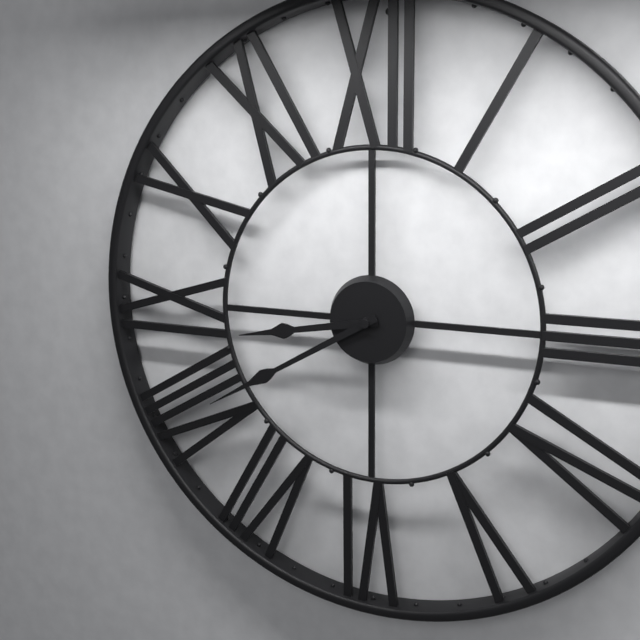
8.40
